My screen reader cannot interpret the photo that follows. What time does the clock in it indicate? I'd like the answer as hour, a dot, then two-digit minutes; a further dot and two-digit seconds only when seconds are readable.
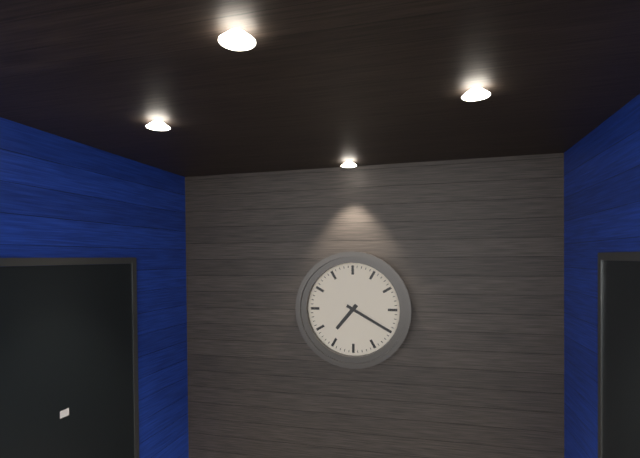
7.20
